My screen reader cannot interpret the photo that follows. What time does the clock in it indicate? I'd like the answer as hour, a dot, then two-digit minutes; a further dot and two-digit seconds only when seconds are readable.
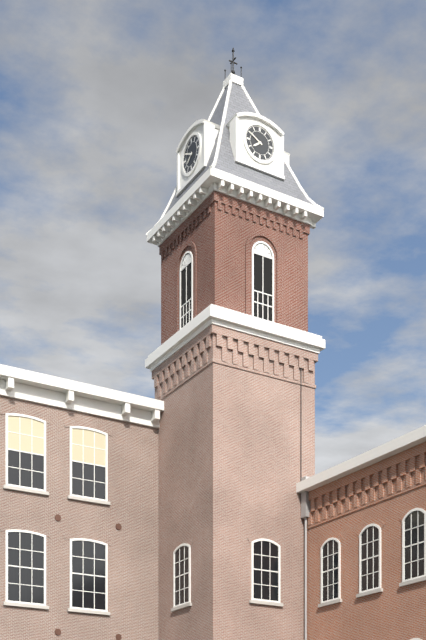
7.50
